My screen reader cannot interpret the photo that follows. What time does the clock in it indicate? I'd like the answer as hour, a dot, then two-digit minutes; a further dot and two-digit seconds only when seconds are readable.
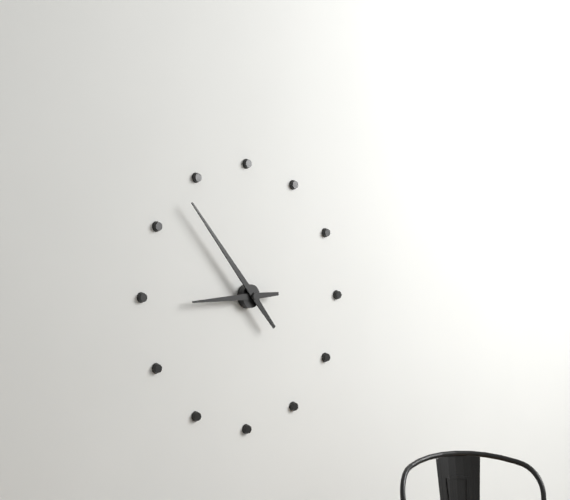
8.53
